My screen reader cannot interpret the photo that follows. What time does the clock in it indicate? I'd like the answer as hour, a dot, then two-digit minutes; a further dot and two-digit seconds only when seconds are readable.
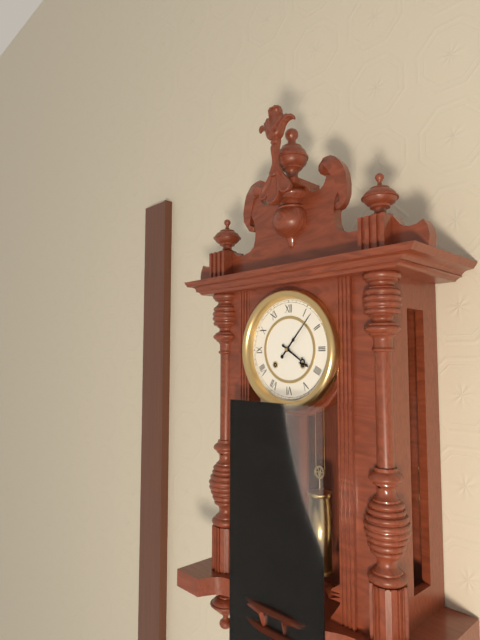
4.07
